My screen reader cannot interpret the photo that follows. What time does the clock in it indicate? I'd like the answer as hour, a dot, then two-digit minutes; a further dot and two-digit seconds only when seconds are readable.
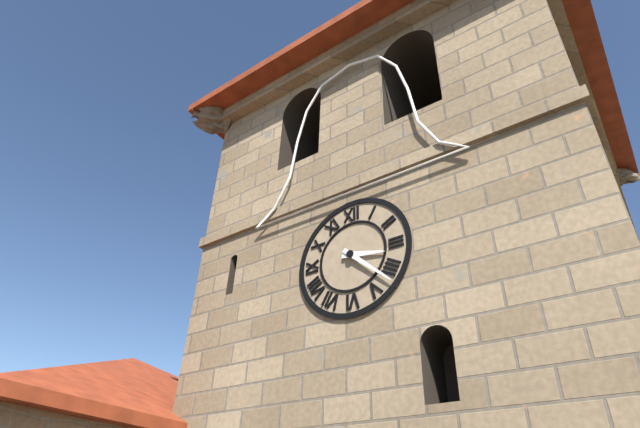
3.22
